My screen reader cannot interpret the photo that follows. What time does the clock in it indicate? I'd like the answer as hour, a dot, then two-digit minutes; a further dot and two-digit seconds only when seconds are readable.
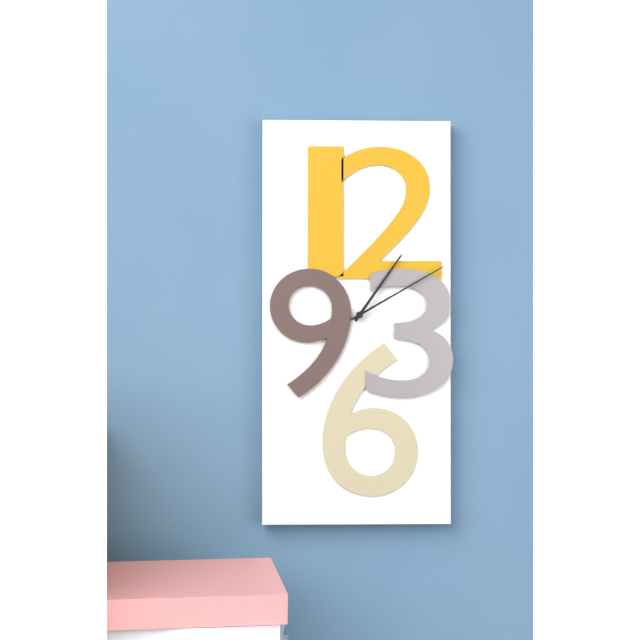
1.10
